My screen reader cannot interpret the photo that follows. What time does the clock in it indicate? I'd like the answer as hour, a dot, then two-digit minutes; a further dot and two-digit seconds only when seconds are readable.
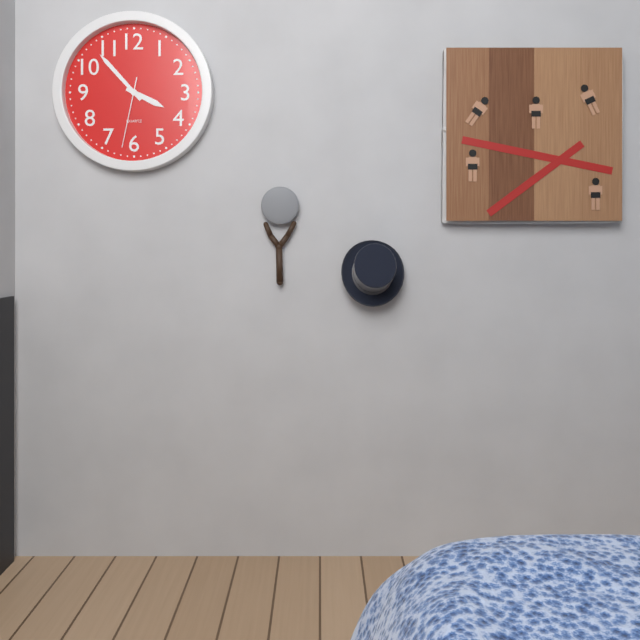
3.53.32
